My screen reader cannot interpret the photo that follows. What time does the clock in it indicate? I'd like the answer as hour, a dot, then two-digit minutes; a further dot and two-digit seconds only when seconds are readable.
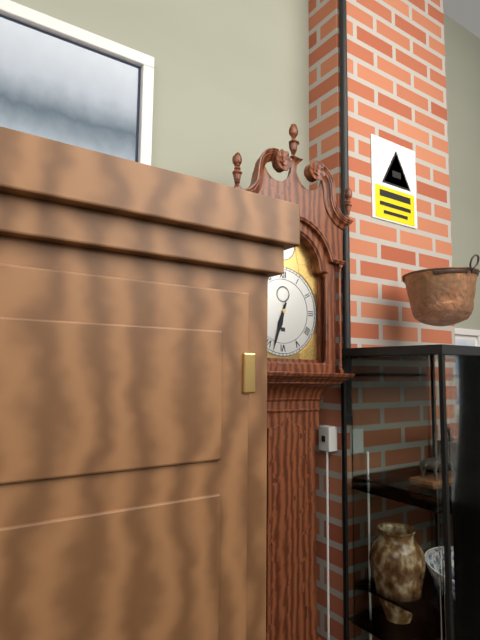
6.33
